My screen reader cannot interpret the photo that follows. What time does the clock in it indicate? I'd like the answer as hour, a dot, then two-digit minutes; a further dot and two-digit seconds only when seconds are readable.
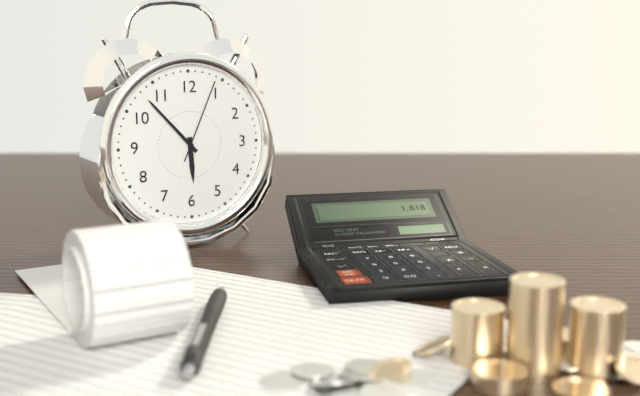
5.53.04
